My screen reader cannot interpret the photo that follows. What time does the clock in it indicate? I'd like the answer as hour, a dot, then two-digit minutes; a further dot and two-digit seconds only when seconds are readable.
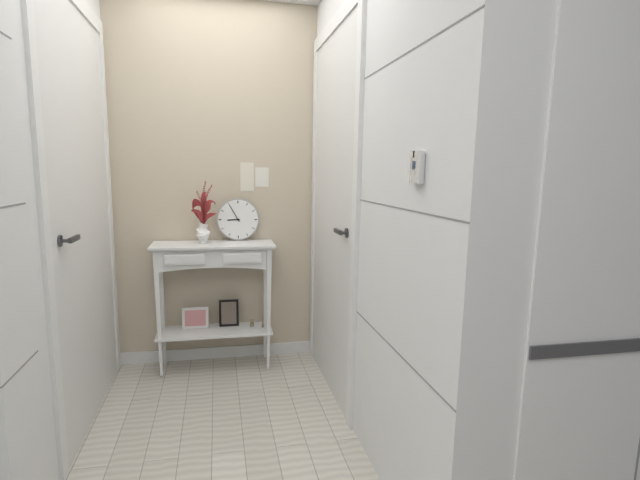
8.55
